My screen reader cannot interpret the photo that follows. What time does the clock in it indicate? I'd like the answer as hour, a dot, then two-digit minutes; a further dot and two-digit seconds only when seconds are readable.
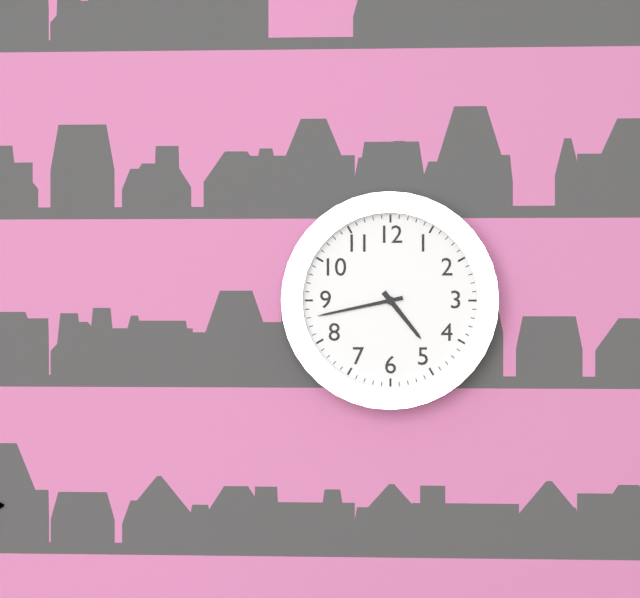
4.43
